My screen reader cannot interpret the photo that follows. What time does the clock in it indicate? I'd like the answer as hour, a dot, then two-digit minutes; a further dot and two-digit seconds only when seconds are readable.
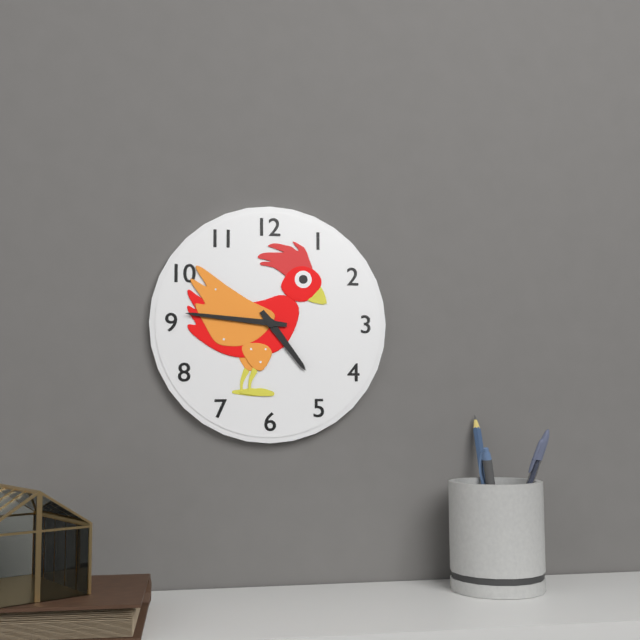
4.46
